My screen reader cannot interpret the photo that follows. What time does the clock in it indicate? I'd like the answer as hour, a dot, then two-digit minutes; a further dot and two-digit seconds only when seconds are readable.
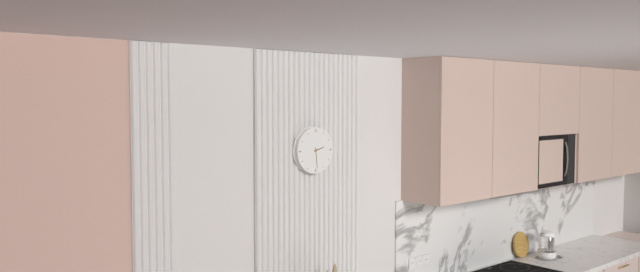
2.29
